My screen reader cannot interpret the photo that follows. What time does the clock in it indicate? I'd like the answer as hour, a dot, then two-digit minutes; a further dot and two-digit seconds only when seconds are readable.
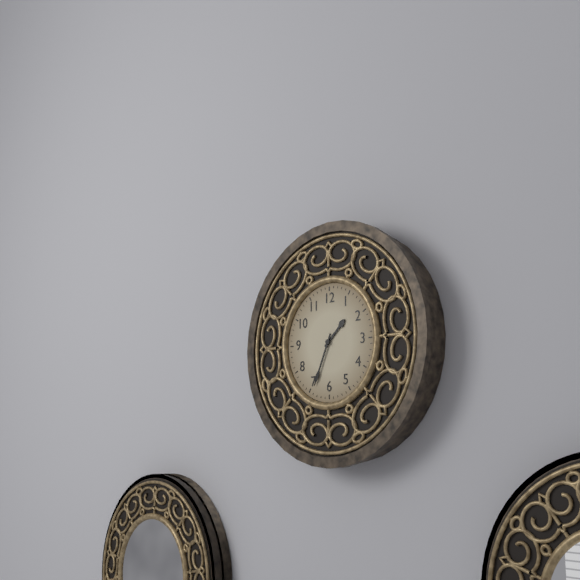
1.34
